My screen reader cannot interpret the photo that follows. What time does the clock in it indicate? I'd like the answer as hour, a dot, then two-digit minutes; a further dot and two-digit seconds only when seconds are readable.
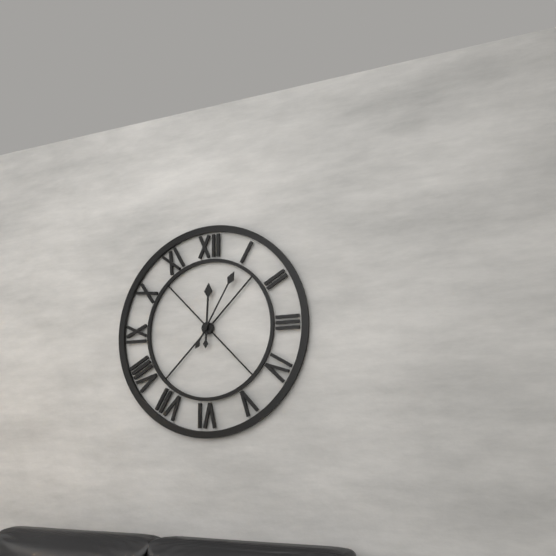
12.05
